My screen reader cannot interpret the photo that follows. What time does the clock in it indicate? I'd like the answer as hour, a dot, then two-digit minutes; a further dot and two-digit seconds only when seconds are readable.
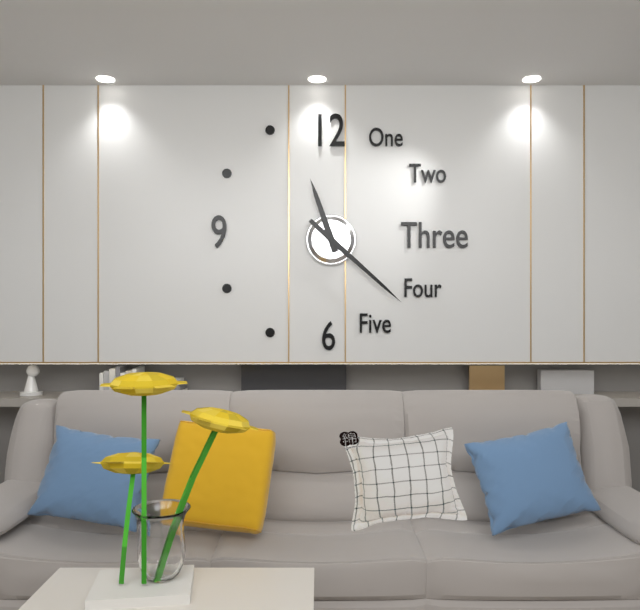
11.22
